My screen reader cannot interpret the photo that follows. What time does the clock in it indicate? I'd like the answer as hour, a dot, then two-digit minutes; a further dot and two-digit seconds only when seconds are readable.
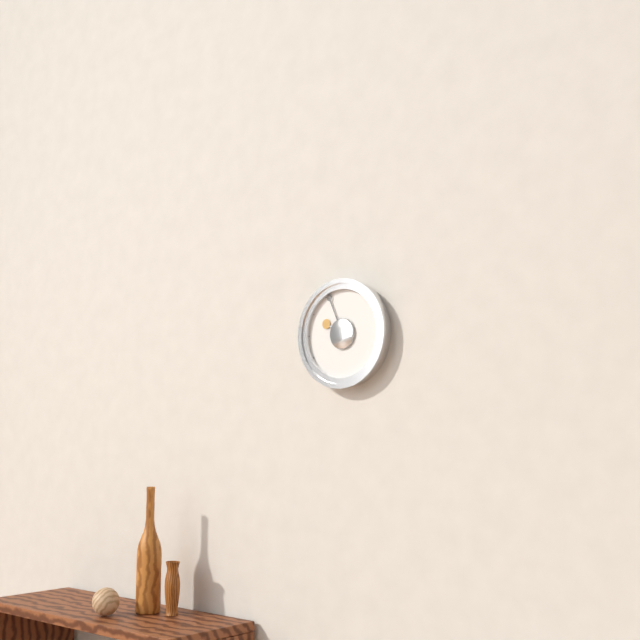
9.56
